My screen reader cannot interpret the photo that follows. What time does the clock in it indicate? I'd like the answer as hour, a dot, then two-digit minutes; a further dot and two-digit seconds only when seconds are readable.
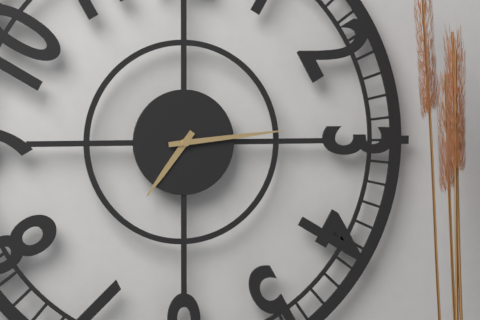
7.14
